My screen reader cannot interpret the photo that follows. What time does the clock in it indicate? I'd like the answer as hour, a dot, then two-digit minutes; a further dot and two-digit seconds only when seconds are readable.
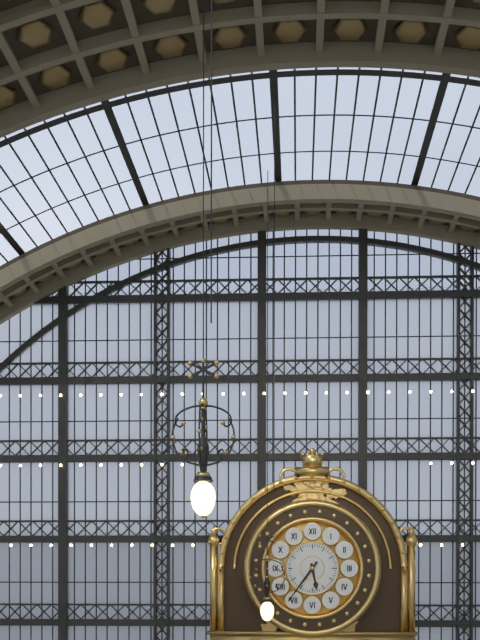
5.36
